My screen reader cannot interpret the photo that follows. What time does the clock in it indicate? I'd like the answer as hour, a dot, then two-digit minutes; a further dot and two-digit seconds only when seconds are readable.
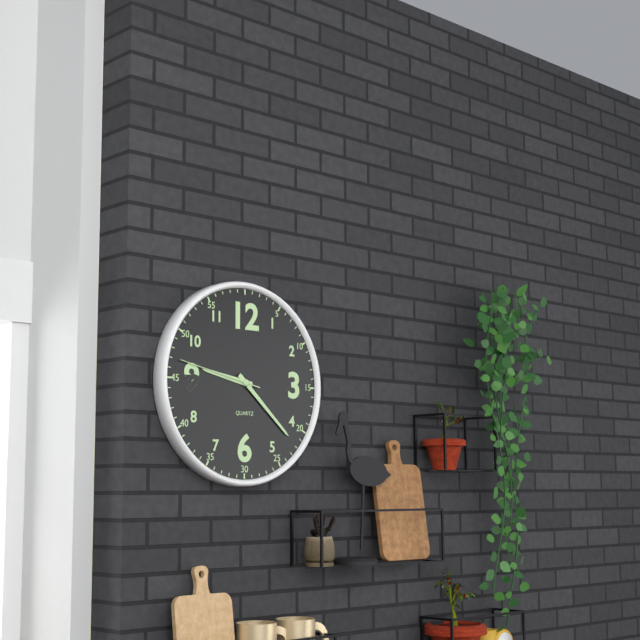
9.22.47
